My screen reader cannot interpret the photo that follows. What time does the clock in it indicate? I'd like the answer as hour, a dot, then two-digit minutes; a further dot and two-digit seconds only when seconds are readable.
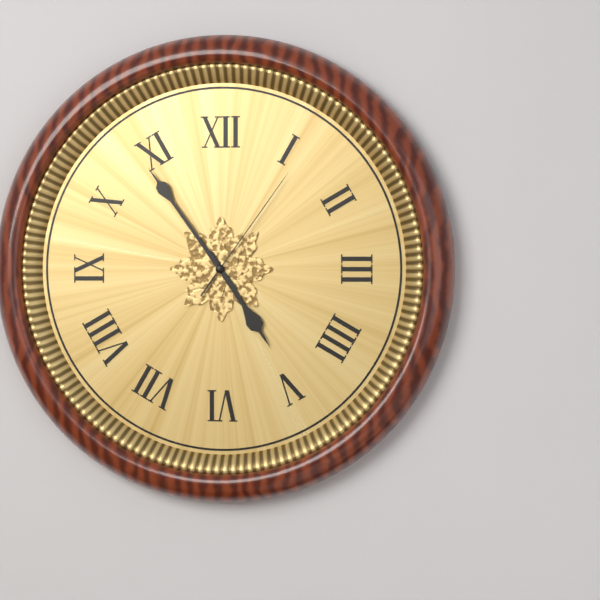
4.54.06
